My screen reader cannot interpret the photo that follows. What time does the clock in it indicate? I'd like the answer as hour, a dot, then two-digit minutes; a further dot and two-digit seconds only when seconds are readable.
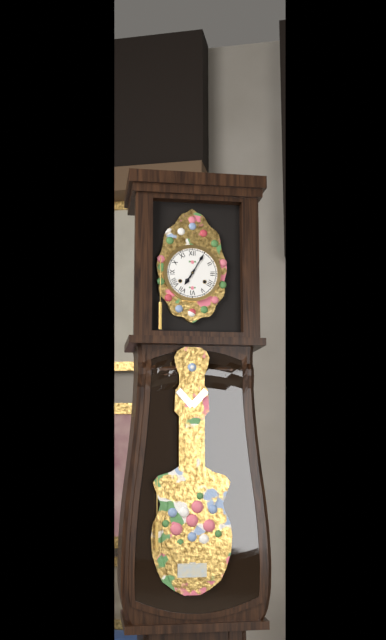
7.05
